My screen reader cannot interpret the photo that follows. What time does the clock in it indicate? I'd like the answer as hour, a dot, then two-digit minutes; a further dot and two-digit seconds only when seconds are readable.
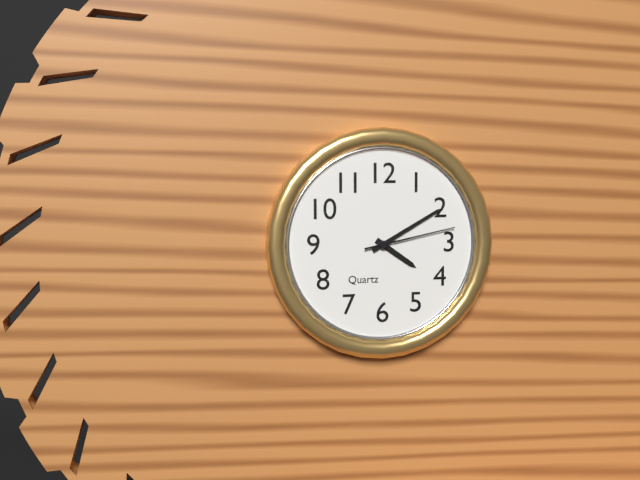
4.10.13
